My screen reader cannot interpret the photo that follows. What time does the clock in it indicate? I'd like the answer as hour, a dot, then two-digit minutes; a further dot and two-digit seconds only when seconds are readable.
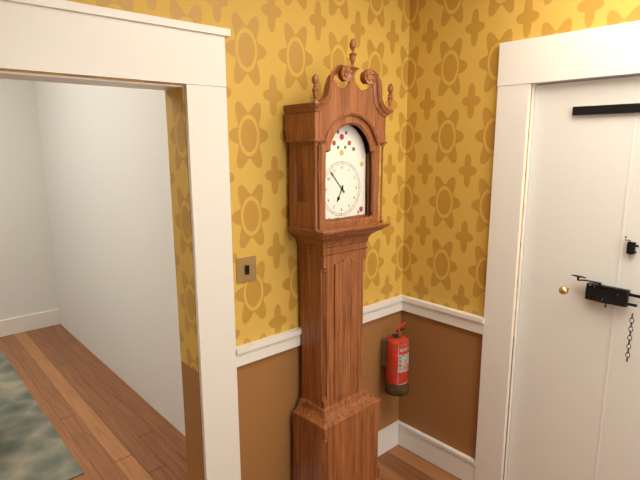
6.53
